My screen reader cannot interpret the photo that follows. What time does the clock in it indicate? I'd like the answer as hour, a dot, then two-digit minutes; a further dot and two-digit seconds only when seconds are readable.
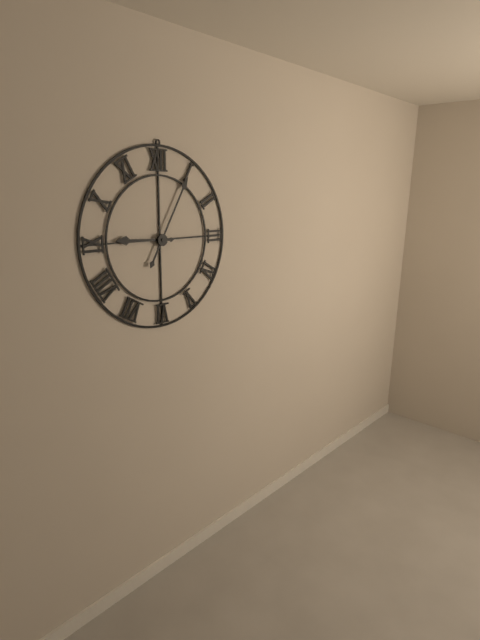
9.05
